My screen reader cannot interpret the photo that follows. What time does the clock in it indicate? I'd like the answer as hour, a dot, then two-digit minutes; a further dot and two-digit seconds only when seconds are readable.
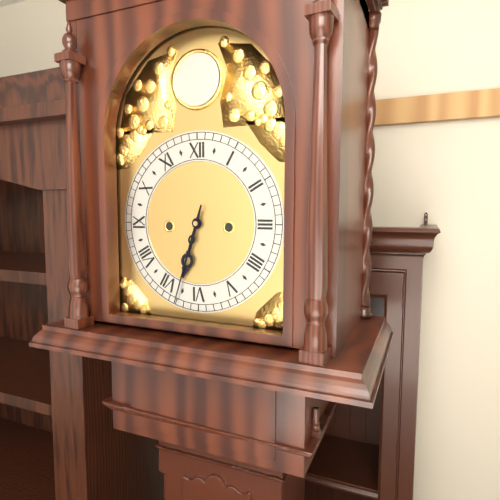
6.33
